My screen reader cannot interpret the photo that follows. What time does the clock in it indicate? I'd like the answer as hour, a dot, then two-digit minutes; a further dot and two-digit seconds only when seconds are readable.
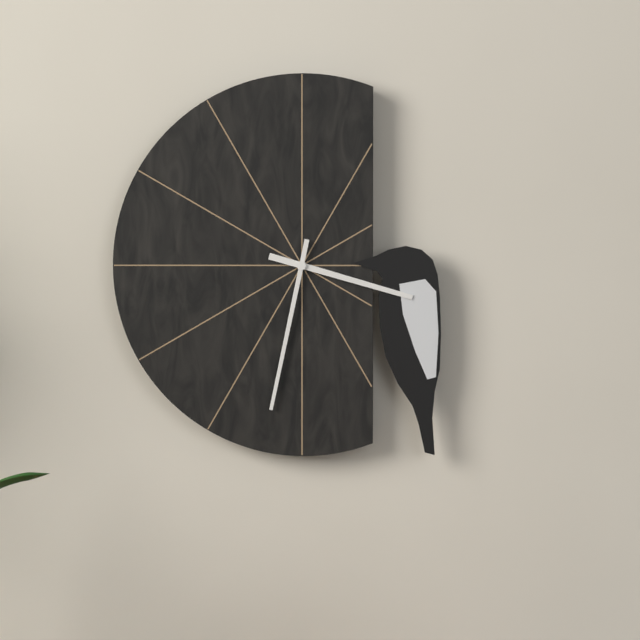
3.32
